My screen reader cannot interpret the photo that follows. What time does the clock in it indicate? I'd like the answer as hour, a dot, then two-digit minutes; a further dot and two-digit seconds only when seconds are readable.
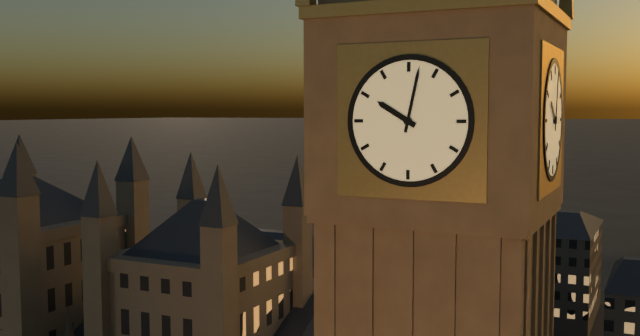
10.02
